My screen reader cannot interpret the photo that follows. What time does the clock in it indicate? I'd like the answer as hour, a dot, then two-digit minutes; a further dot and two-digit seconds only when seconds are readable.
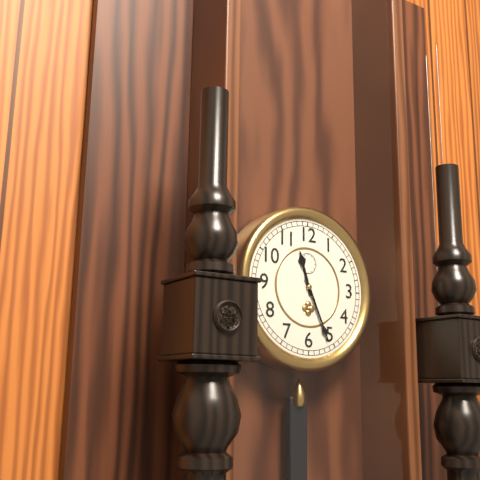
11.26
